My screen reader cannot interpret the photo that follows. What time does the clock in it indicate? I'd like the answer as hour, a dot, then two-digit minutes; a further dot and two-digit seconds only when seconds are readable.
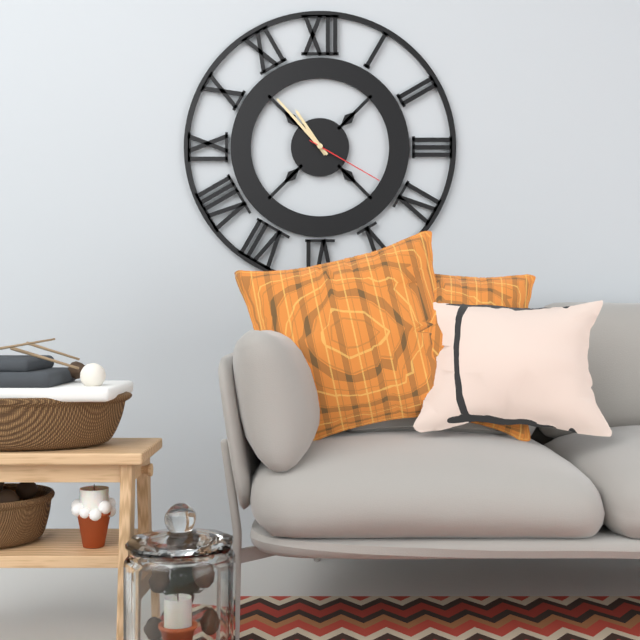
10.53.20
